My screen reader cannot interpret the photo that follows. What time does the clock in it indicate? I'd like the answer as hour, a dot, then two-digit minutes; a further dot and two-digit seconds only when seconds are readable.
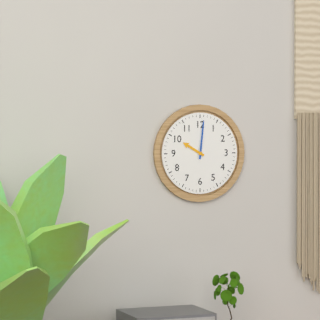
10.01
